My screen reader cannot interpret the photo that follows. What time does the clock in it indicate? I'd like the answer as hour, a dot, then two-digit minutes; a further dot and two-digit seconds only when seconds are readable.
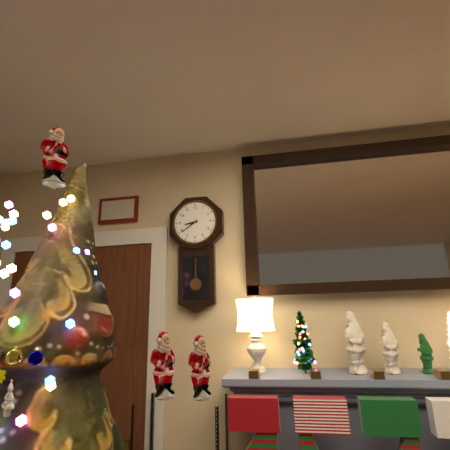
8.39
